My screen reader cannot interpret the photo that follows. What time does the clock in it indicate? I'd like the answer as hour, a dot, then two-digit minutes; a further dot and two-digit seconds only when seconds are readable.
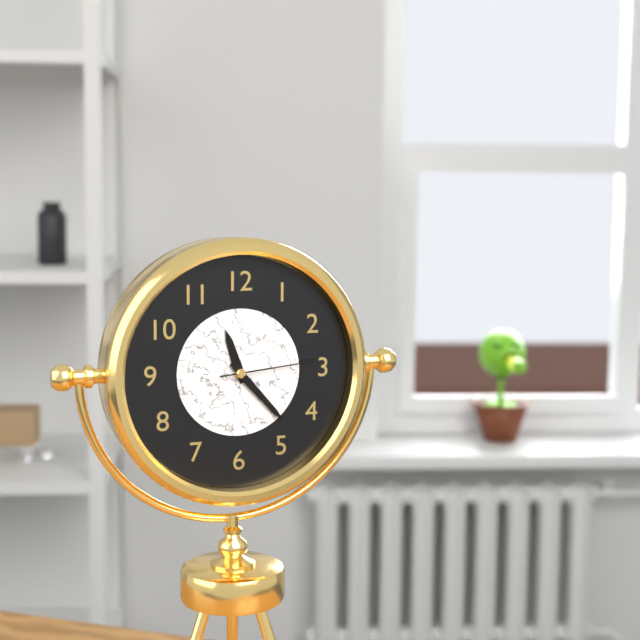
11.23.14
